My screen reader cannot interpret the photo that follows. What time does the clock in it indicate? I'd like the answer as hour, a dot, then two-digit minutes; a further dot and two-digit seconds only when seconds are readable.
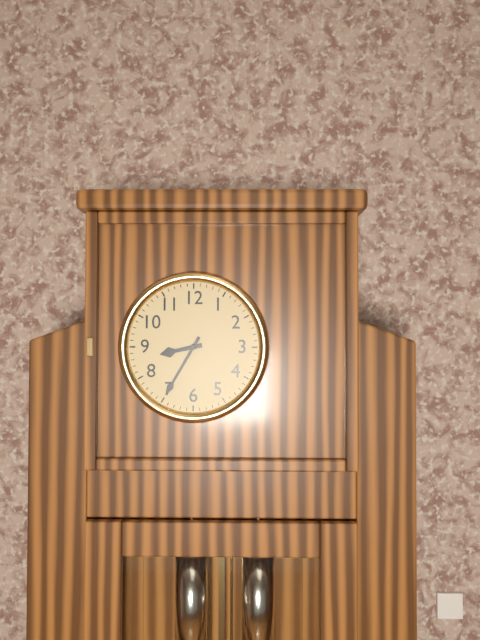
8.35
